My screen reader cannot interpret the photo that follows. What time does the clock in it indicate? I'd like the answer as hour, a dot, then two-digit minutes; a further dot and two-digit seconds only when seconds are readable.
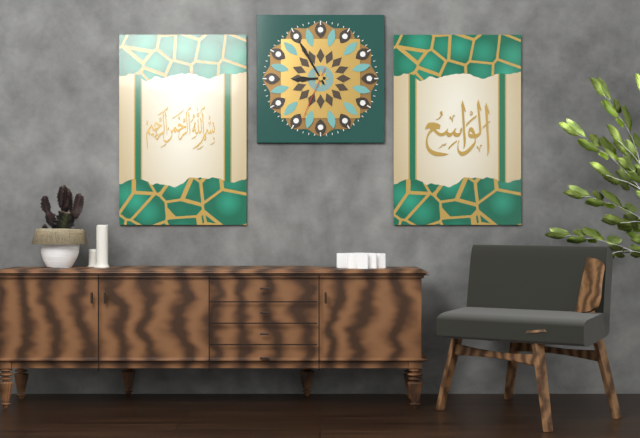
8.55.34
